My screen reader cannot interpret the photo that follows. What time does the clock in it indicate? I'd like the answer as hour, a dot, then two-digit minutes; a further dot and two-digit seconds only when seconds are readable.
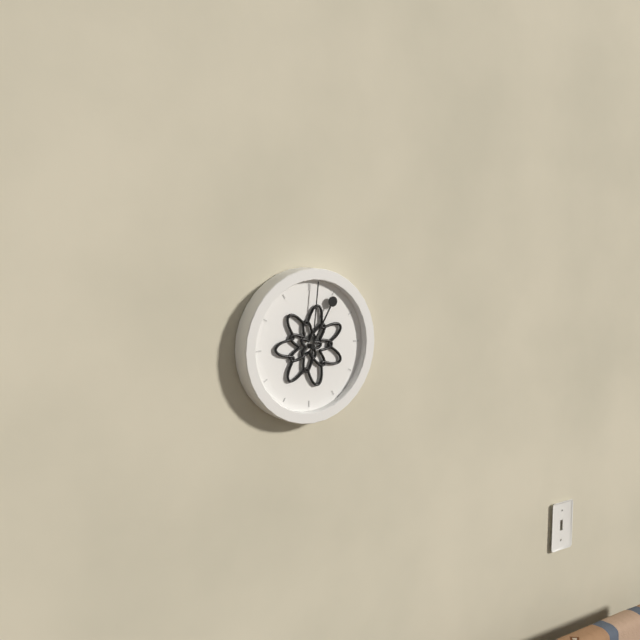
1.01
